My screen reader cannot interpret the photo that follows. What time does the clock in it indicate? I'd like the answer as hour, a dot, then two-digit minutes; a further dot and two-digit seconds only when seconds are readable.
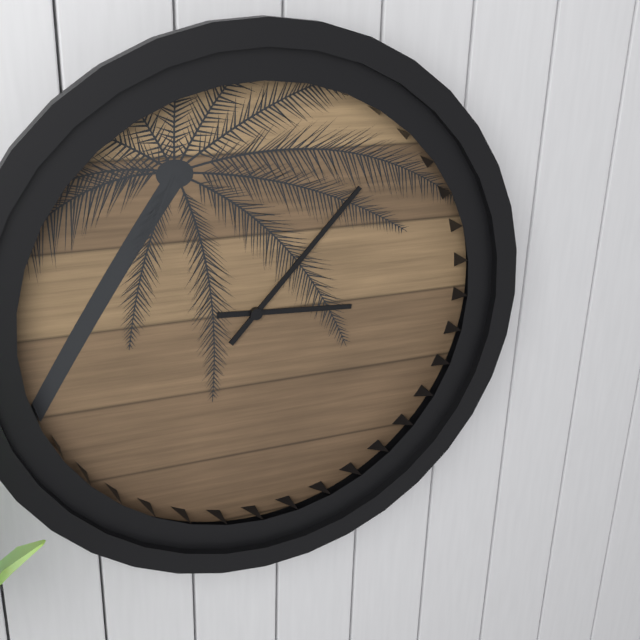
3.07
